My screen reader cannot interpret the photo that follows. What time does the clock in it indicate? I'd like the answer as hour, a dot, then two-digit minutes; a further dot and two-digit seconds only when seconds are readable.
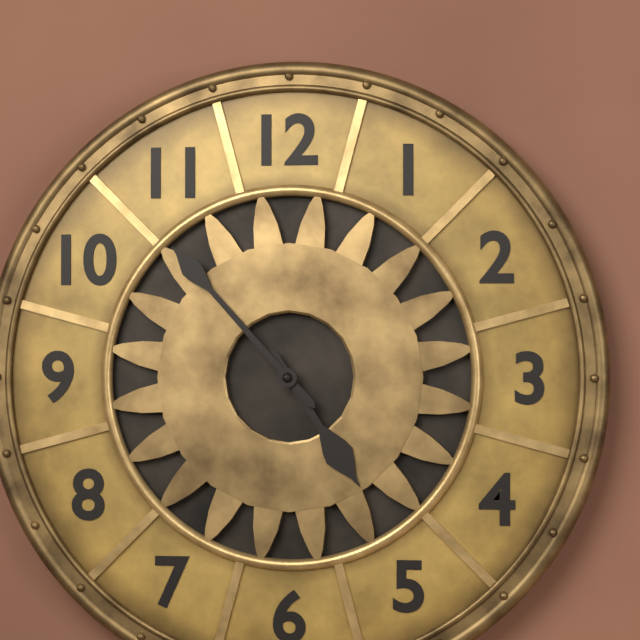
4.53
